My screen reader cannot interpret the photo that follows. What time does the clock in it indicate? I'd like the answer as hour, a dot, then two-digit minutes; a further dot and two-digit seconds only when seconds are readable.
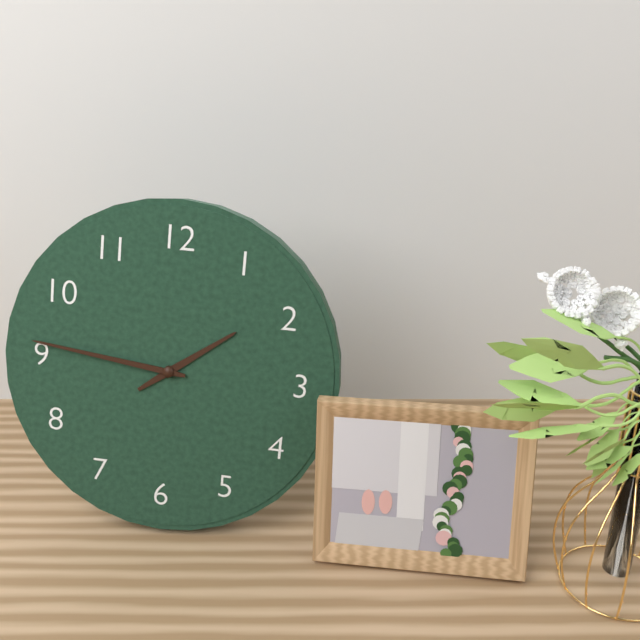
1.46
